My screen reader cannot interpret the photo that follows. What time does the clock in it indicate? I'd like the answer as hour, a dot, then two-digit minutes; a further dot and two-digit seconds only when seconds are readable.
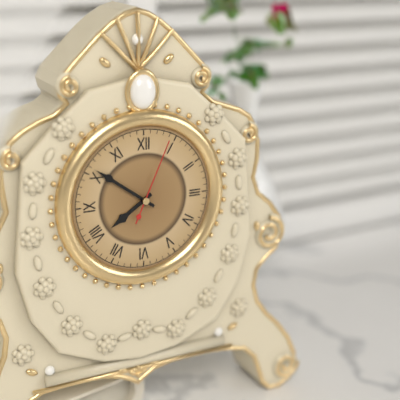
7.51.04
